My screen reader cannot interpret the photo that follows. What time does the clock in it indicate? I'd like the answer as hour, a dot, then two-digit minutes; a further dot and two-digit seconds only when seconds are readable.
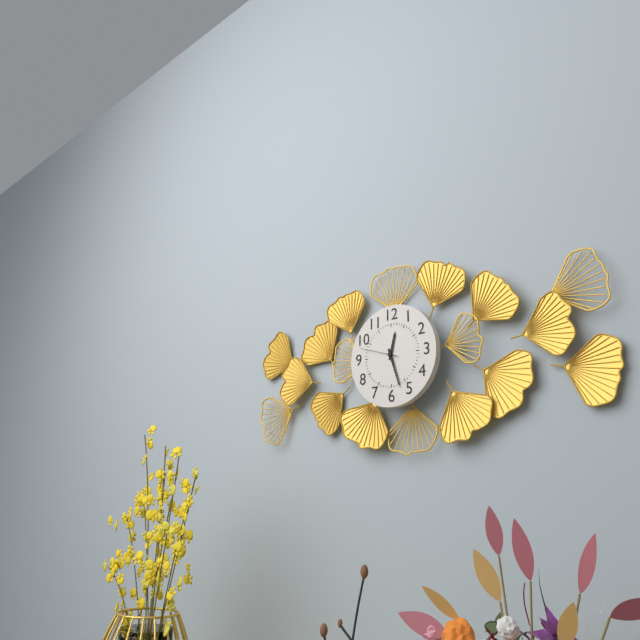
12.27
